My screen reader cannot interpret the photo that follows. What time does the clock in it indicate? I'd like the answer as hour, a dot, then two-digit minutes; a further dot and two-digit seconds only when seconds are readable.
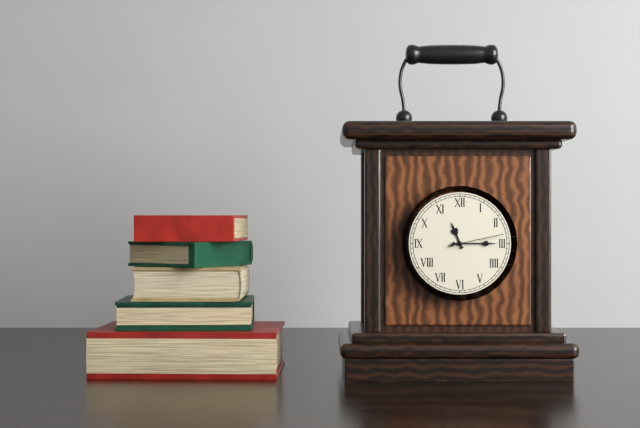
11.15.13
